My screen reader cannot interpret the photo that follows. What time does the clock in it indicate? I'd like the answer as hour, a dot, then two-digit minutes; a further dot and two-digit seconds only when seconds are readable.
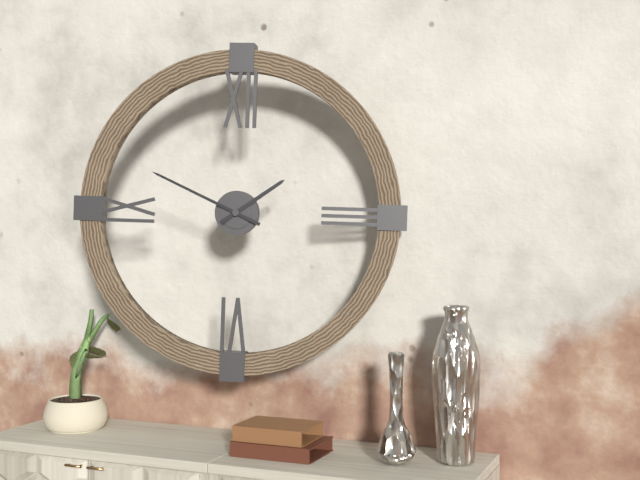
1.49
